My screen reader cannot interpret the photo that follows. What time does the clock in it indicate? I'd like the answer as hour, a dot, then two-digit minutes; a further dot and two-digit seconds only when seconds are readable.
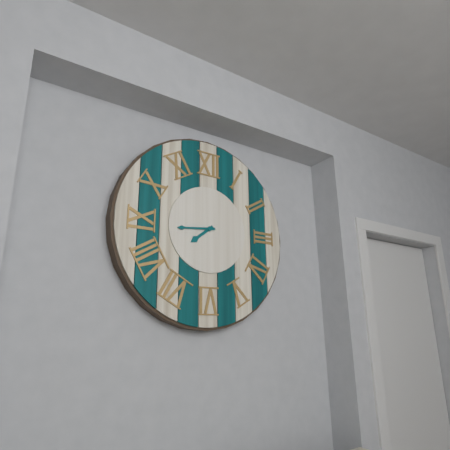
7.44
